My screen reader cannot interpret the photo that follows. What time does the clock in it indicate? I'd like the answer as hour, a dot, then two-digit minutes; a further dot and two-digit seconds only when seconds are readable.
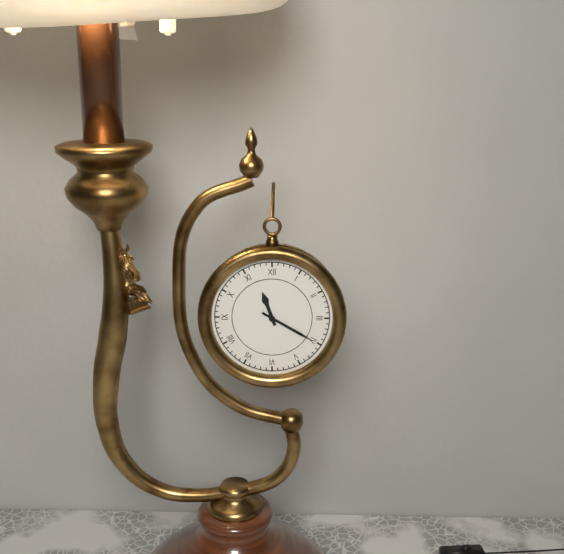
11.20
